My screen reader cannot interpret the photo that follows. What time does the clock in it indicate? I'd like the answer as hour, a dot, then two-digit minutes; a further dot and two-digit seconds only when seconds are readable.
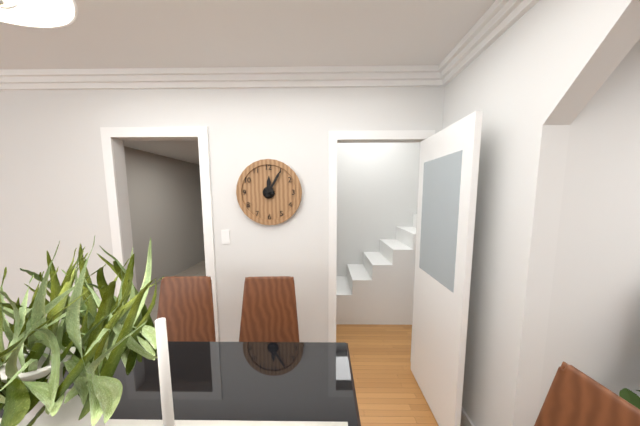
12.05
